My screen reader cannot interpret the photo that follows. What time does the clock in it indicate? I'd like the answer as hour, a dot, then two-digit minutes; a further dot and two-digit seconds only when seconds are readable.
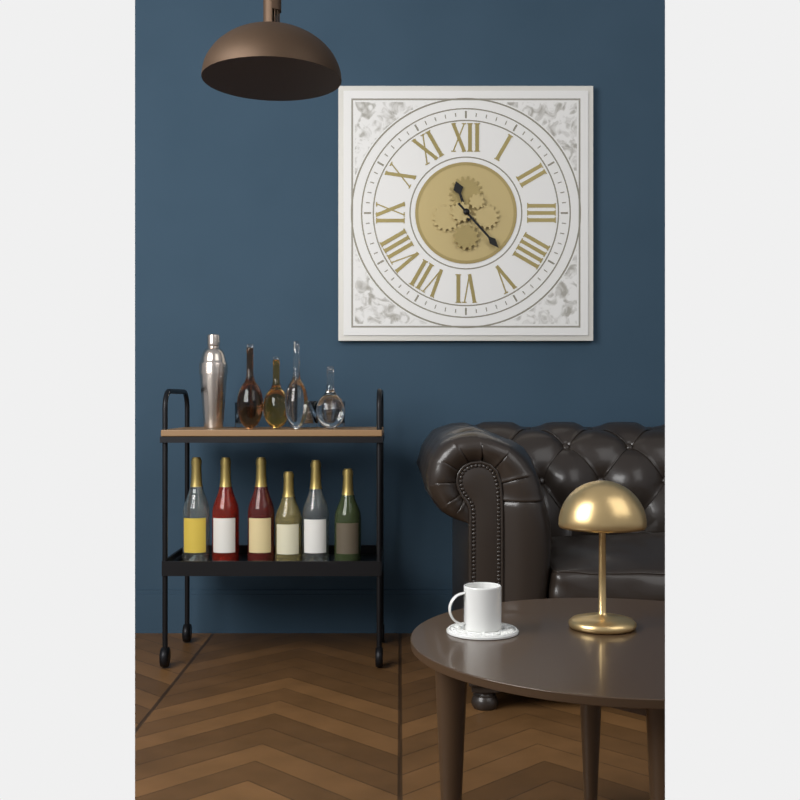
11.23
